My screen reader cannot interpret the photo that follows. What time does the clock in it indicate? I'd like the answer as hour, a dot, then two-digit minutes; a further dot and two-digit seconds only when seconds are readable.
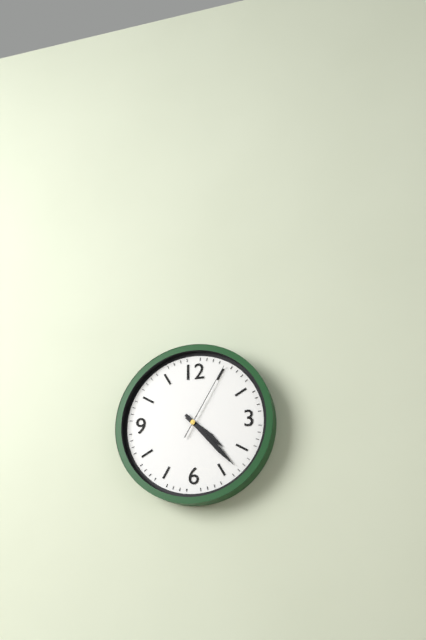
4.23.05
